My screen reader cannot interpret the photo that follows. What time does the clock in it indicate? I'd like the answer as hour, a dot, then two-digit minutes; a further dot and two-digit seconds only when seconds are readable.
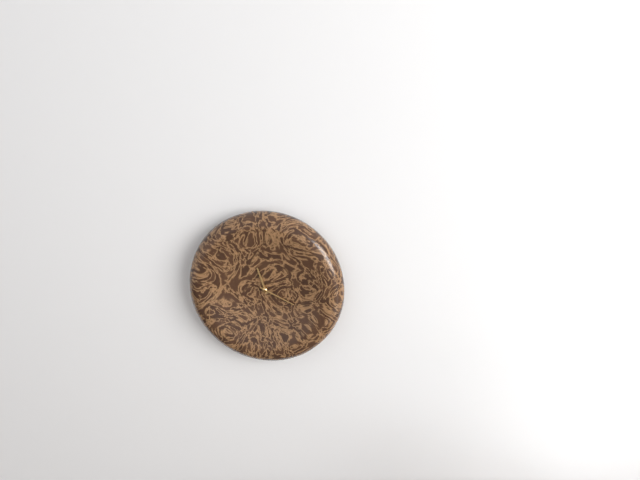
11.19
